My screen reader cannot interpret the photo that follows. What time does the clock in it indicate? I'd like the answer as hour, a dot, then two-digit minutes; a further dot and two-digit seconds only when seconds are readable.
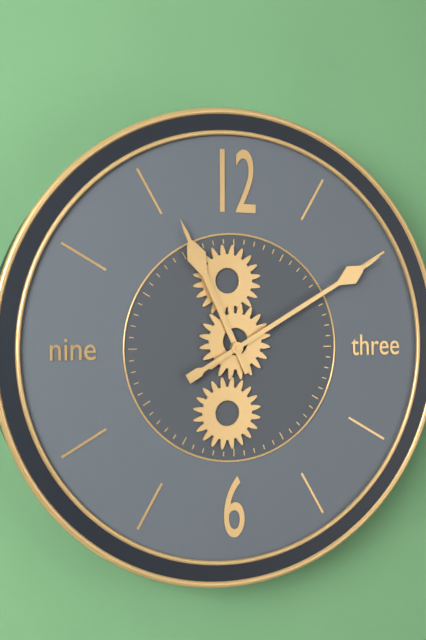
11.10
